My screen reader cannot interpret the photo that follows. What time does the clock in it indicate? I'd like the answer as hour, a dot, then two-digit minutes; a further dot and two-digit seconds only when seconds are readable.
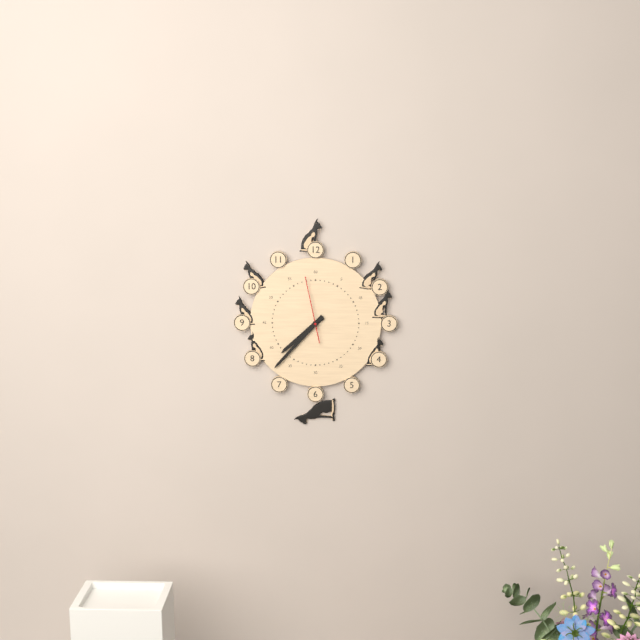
7.37.58
